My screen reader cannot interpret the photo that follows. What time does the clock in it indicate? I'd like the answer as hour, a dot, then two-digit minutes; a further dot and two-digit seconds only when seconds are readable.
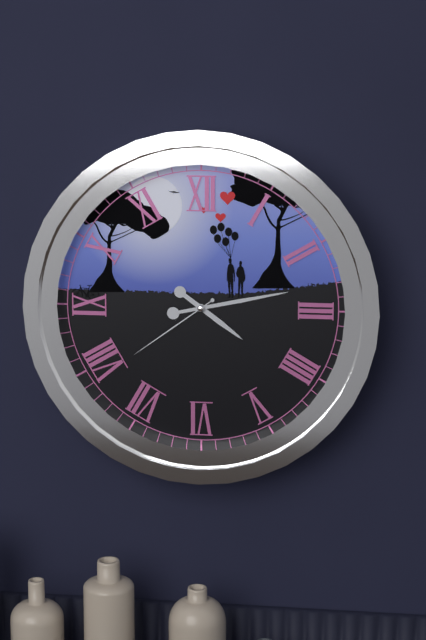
4.13.39
